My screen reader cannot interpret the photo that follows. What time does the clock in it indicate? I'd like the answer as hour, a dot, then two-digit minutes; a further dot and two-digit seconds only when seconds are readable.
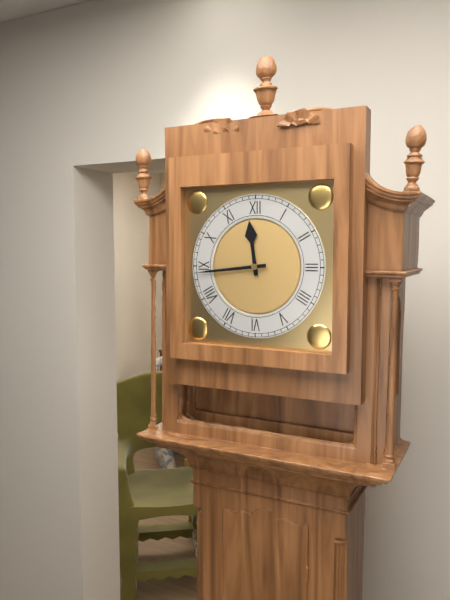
11.44
